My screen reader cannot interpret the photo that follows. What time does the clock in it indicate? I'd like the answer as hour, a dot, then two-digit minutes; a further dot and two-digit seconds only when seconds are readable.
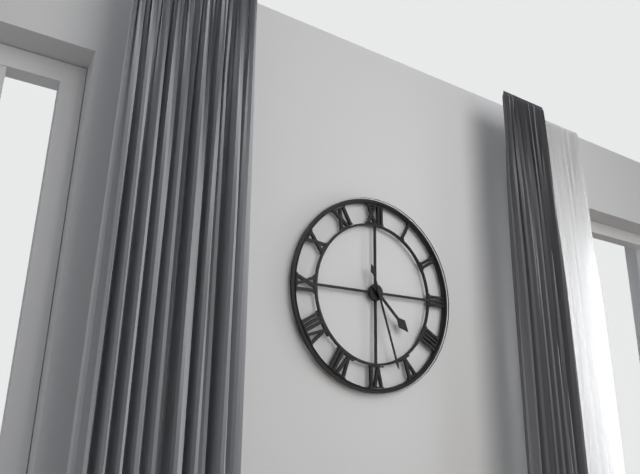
4.27
